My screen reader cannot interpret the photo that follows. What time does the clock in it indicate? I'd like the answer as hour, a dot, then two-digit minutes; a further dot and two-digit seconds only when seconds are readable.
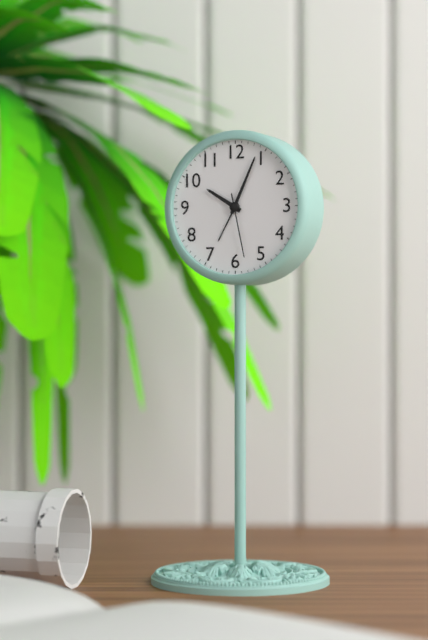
10.04.28
